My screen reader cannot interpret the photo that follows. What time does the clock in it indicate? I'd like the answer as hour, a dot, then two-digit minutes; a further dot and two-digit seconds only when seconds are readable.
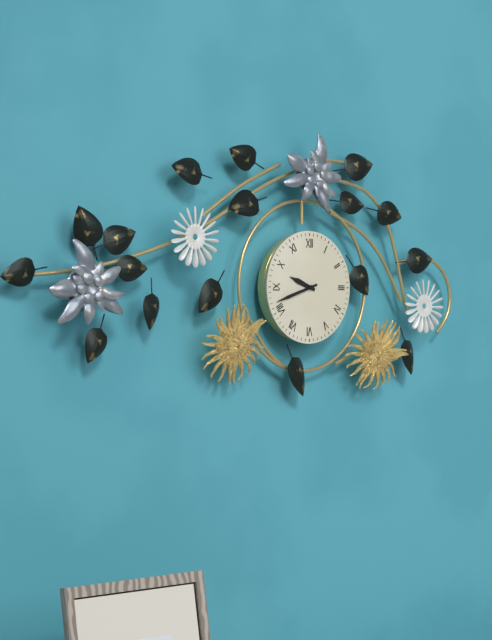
9.42
